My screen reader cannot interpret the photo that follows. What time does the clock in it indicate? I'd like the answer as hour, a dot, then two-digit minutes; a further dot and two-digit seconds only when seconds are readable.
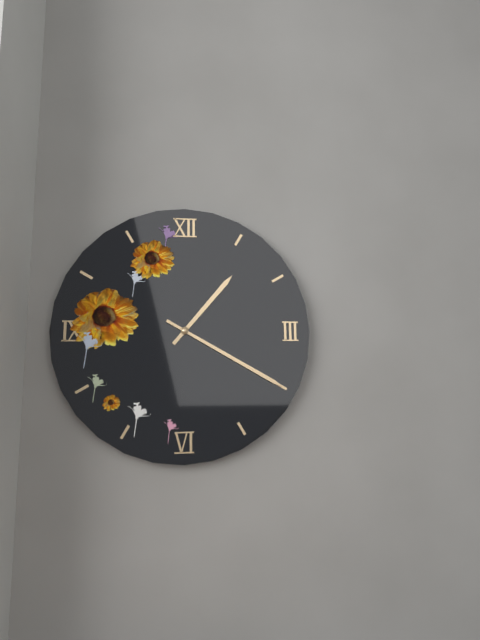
1.20
